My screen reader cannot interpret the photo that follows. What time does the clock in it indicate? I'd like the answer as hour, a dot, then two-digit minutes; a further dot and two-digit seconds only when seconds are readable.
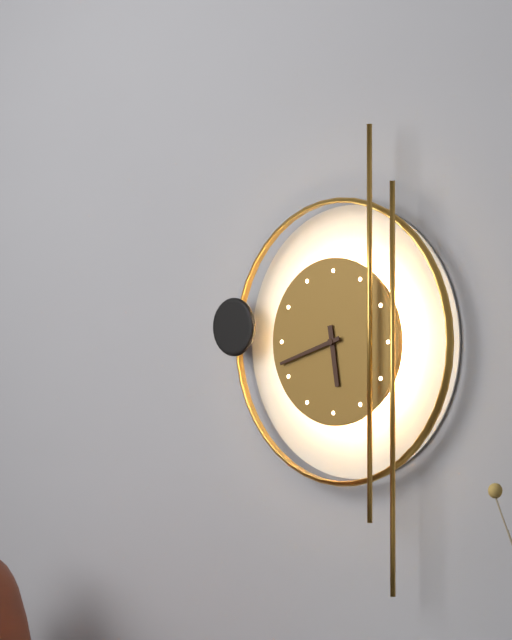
5.42
